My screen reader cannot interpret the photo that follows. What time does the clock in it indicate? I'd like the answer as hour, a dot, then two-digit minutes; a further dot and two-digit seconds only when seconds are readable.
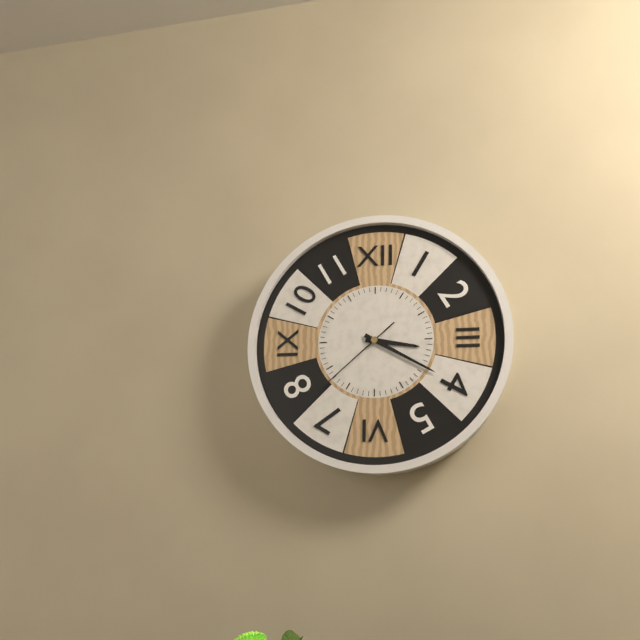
3.20.38
